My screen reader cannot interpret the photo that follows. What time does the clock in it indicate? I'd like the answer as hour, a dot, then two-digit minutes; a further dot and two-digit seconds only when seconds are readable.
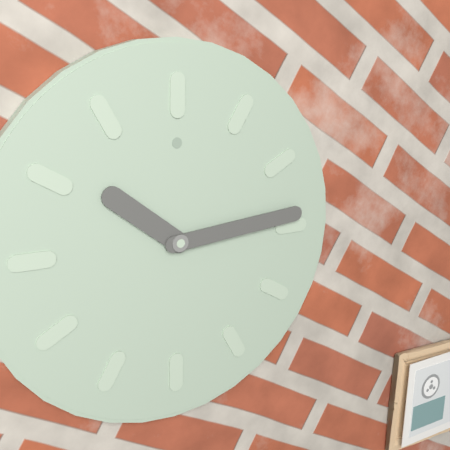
10.14
